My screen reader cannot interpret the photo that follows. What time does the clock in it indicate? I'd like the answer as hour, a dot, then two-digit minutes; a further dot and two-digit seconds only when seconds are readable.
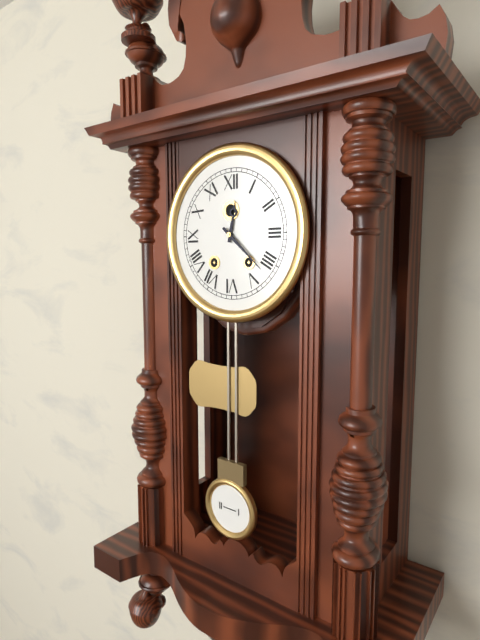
12.22
